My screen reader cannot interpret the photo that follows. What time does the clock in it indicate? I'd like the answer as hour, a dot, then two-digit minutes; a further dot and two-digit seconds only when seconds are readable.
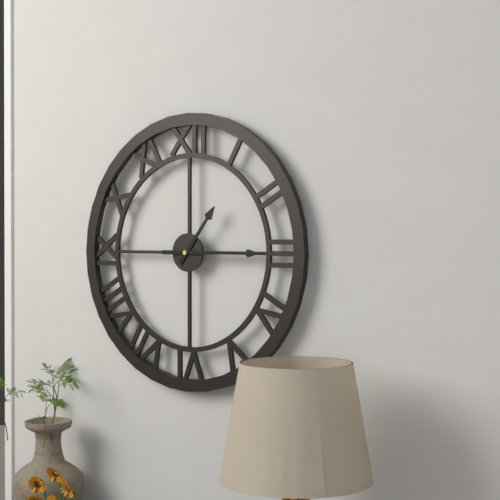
1.15
